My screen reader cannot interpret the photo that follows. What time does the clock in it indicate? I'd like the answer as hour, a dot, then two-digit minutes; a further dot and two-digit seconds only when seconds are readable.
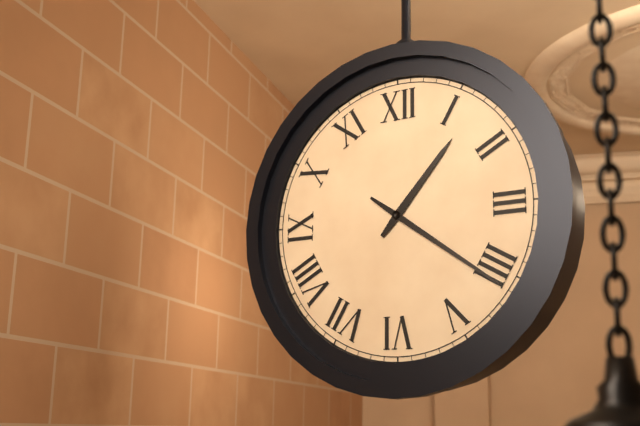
1.21
